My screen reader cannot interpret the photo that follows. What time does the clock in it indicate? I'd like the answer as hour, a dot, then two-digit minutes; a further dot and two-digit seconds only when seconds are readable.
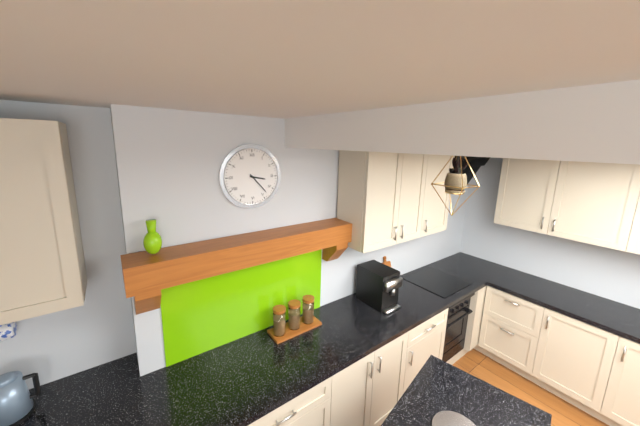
3.23
